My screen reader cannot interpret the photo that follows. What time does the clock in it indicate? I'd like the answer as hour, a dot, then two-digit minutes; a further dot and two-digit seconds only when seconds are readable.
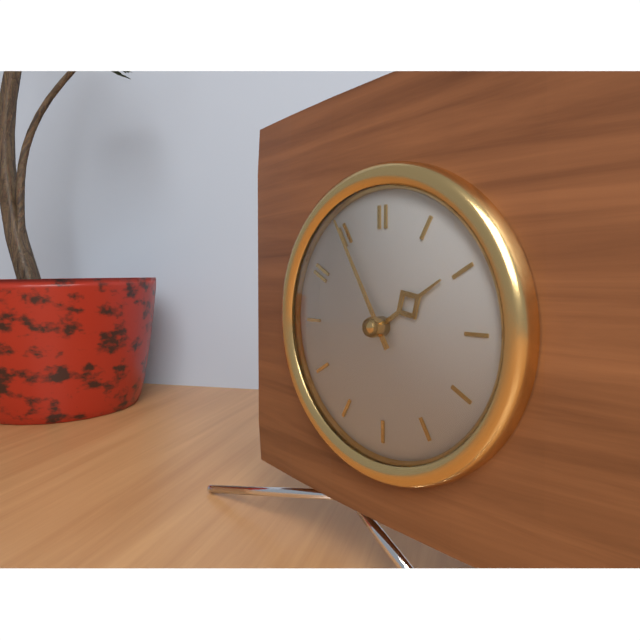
1.55
